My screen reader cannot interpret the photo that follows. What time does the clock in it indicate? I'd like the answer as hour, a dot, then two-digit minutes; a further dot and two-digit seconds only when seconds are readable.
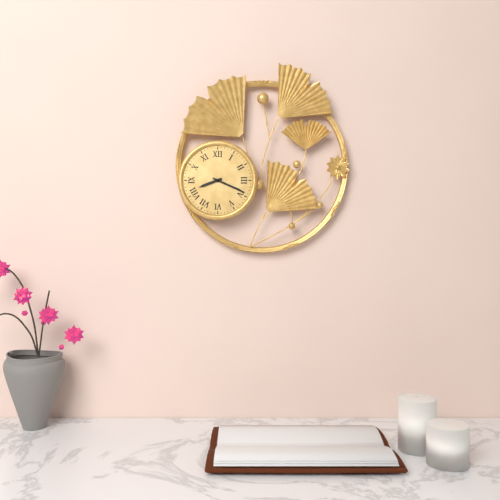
8.19
